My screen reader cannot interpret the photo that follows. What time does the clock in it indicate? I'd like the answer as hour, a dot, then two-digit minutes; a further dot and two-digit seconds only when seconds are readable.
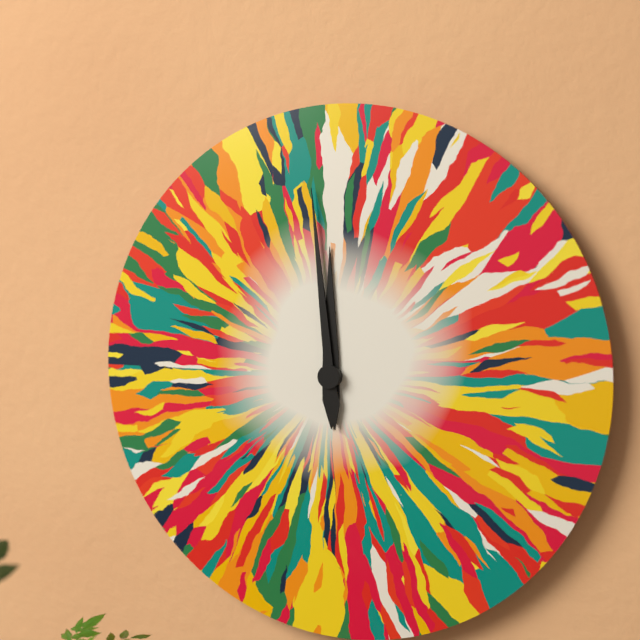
11.59
